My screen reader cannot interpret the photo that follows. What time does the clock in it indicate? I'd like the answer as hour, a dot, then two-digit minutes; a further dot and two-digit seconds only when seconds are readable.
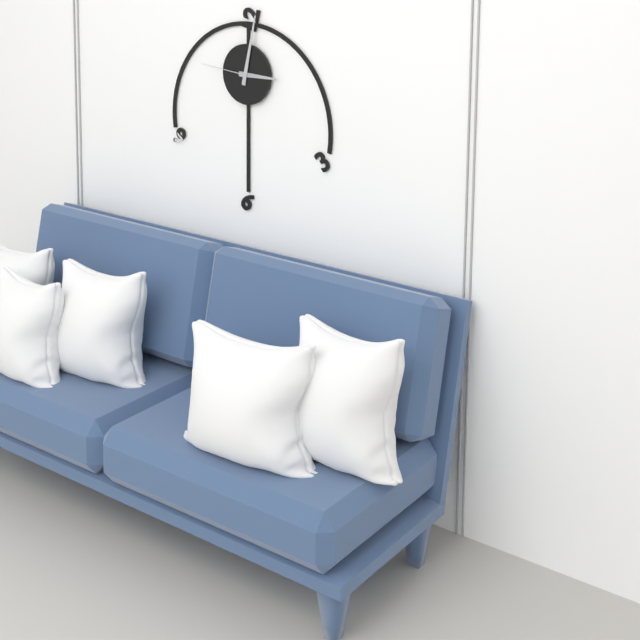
3.02.46
